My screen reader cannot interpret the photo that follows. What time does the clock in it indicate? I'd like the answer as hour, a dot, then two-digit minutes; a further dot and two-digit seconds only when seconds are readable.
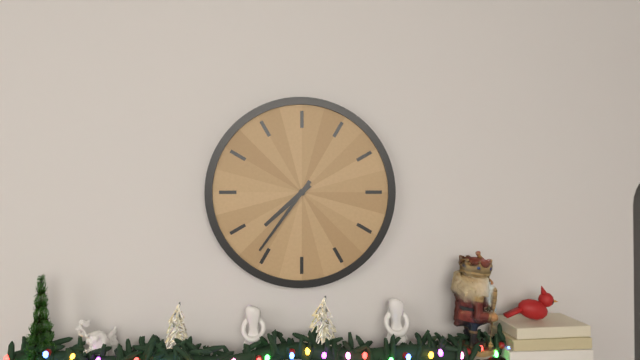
7.36
